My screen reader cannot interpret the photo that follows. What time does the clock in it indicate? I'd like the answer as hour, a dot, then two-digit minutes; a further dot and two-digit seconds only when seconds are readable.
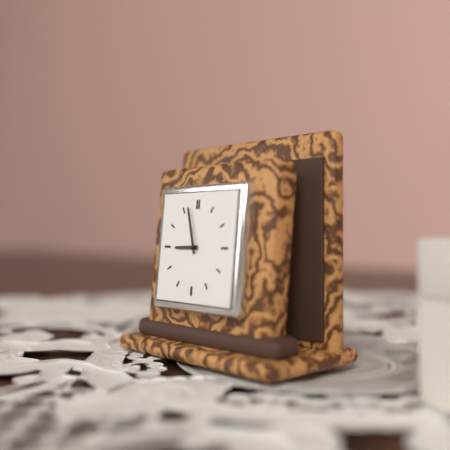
8.57
